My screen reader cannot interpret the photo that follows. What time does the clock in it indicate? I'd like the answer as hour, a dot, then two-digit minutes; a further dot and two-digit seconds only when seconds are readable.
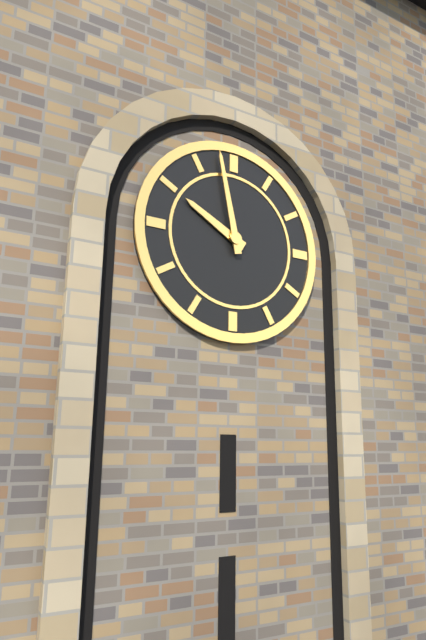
9.58
